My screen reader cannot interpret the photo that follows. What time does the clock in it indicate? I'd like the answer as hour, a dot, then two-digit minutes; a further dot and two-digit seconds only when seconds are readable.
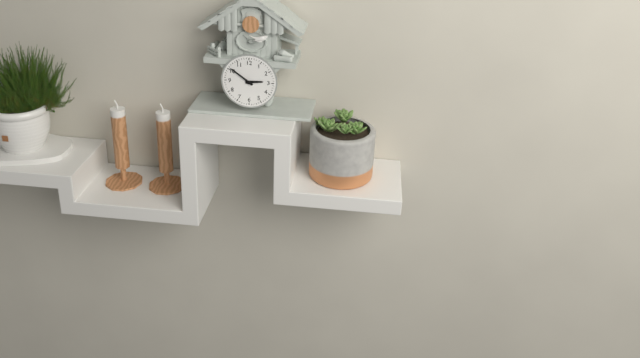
2.51
